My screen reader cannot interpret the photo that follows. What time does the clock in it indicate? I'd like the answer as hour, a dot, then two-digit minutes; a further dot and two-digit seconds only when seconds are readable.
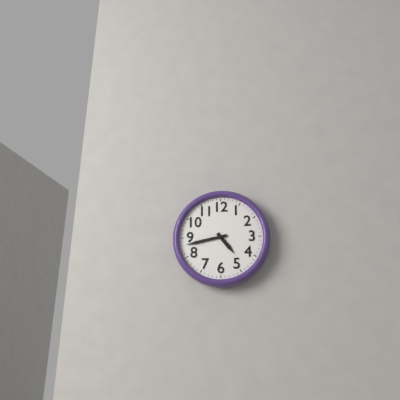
4.43
